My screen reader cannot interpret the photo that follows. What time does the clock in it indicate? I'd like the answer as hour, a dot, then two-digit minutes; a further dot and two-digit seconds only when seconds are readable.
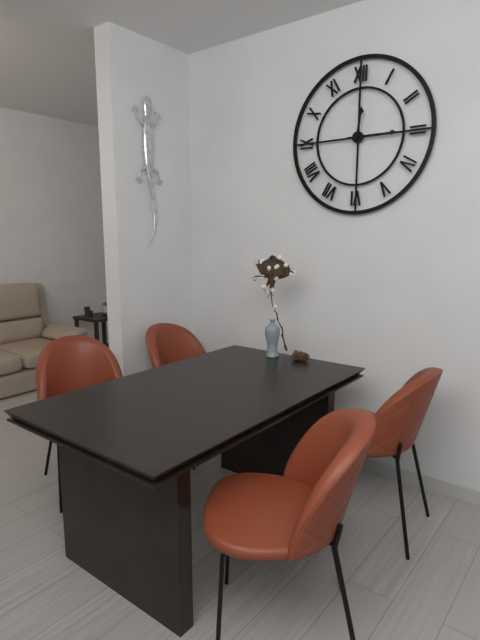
12.15
